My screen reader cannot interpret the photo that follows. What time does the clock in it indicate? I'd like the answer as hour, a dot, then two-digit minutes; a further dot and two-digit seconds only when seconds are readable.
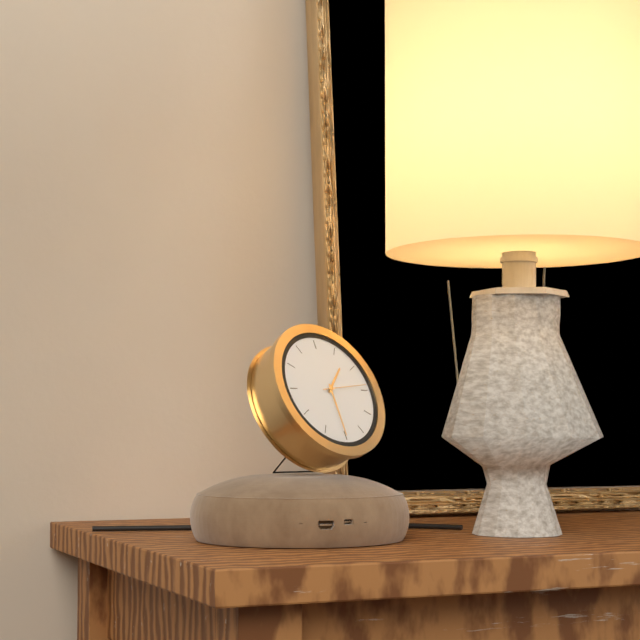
1.30
